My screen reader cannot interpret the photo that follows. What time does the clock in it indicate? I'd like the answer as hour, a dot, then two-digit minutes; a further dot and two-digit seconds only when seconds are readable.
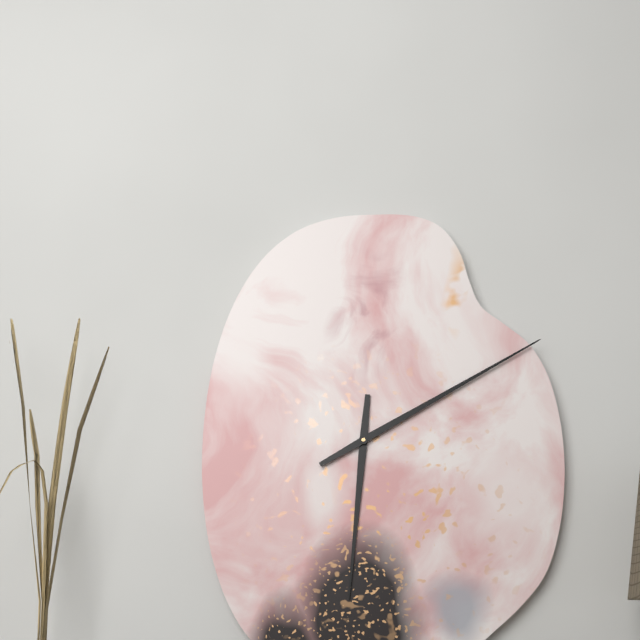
6.10
